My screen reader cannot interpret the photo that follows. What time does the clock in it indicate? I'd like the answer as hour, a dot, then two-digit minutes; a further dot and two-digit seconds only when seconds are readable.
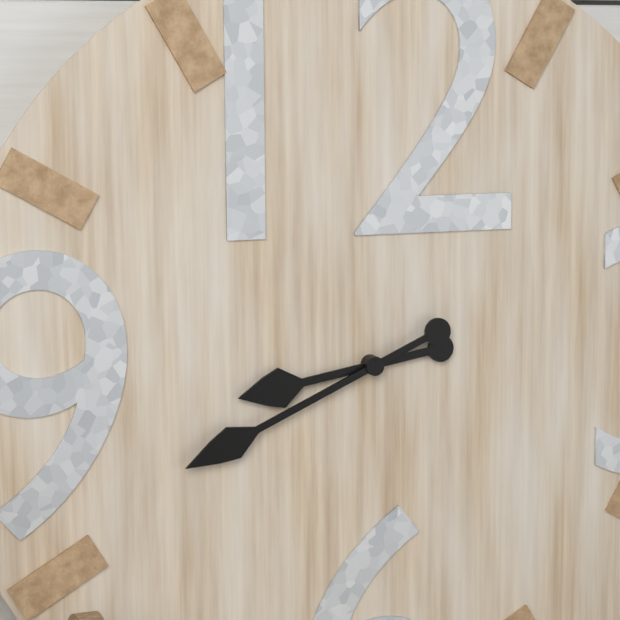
8.41
